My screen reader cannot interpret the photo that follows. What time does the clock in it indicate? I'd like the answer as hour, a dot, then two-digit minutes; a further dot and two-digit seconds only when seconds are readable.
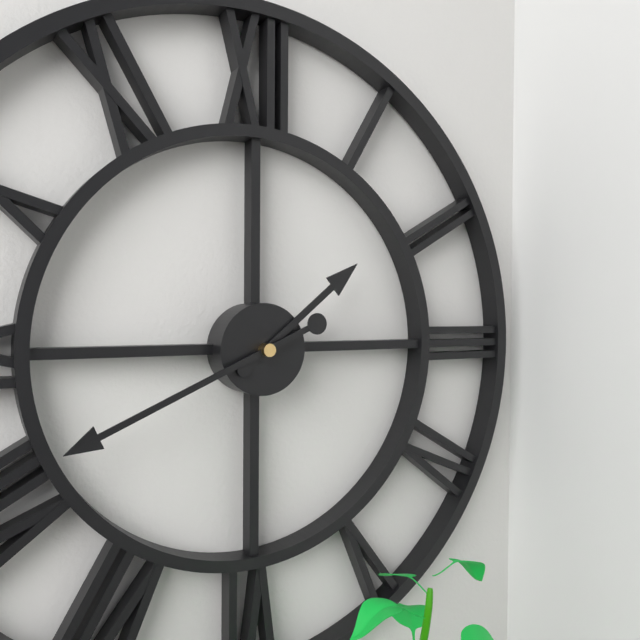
1.41
